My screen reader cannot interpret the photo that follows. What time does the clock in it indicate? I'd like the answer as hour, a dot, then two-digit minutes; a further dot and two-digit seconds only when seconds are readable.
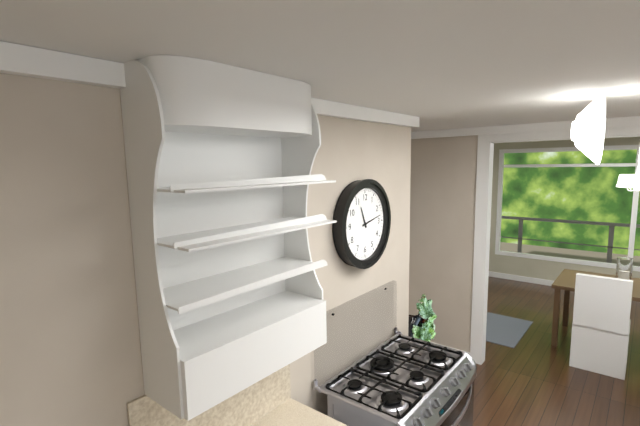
11.13
